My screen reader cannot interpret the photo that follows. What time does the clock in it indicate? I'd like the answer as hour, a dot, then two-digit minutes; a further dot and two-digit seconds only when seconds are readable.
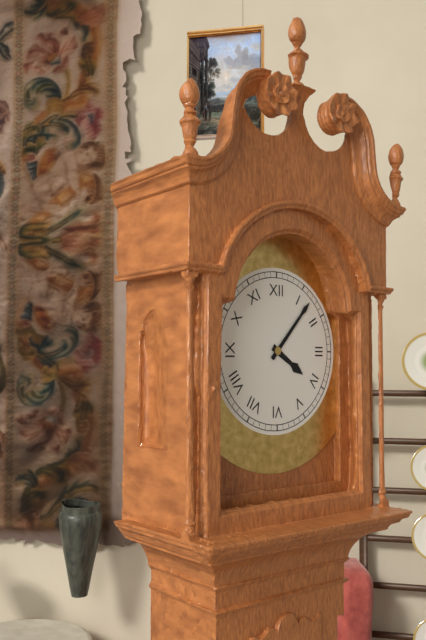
4.07
